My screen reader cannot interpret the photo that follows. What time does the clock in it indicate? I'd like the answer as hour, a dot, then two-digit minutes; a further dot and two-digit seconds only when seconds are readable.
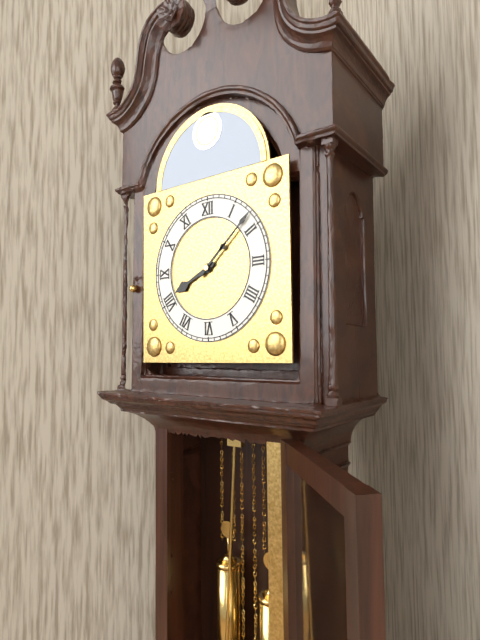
8.08
